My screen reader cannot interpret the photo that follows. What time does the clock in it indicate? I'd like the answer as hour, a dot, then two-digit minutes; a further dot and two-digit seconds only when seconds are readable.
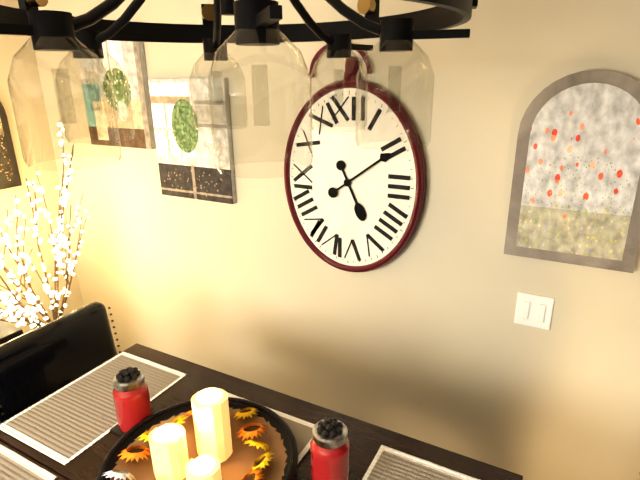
5.09
